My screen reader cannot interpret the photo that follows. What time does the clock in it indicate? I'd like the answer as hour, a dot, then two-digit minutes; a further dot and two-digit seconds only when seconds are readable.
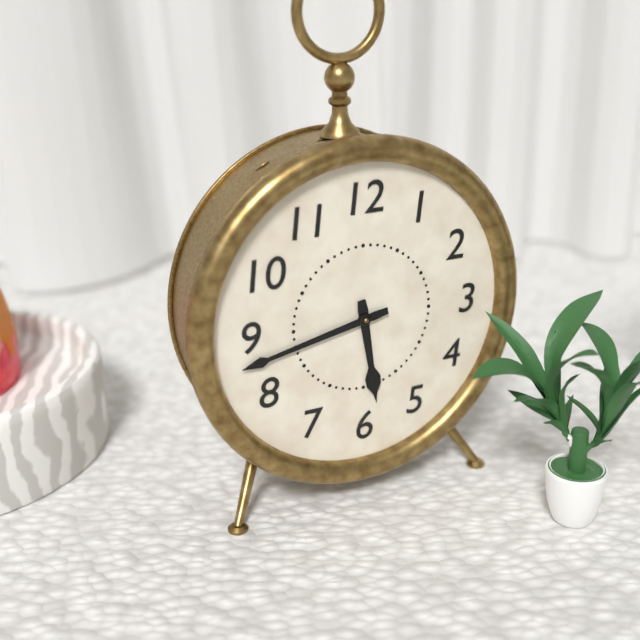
5.43
